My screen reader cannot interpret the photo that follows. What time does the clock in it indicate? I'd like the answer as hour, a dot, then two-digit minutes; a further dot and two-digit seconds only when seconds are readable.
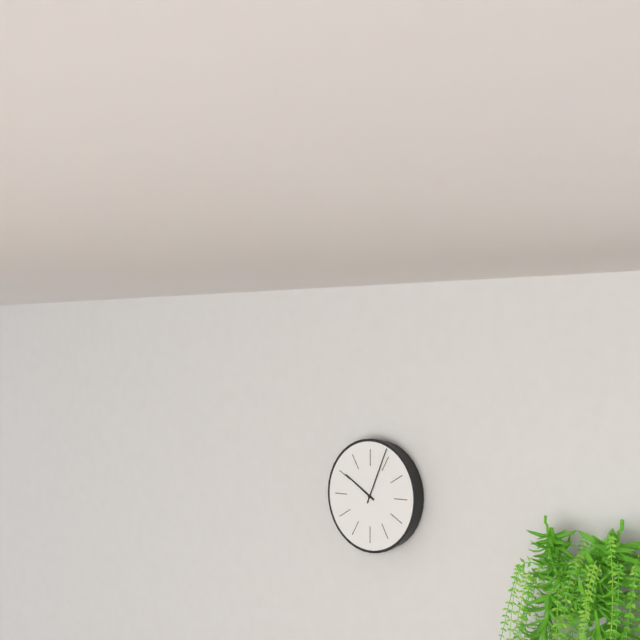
10.04
